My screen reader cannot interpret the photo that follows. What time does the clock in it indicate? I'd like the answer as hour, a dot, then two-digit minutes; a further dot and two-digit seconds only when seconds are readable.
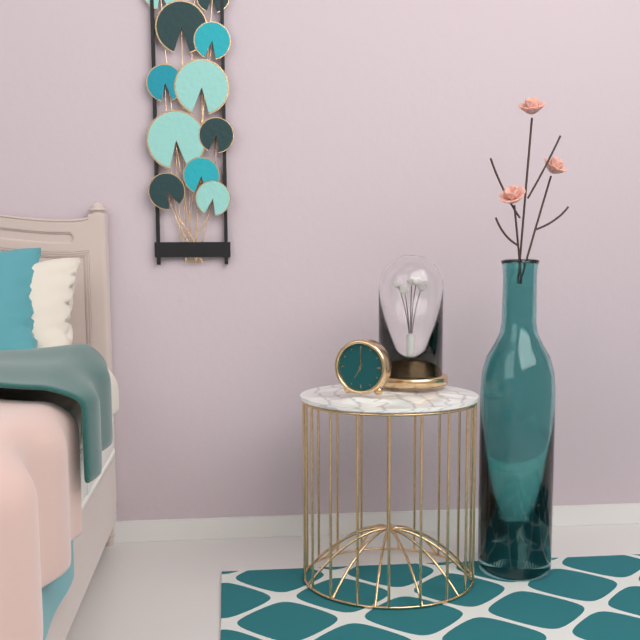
7.00
